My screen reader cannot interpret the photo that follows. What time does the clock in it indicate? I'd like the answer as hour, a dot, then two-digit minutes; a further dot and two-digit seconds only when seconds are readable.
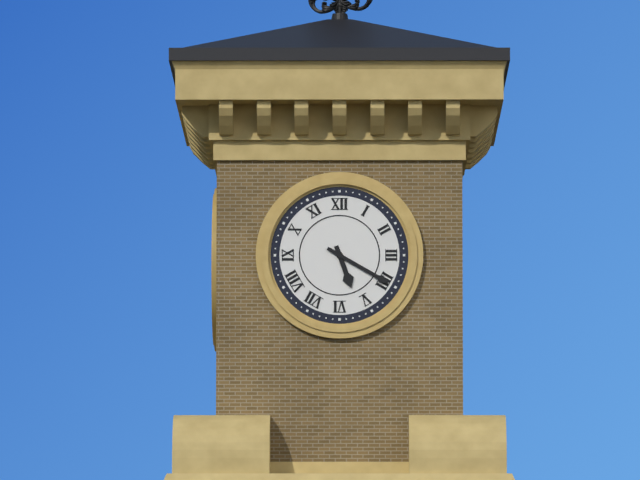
5.20
